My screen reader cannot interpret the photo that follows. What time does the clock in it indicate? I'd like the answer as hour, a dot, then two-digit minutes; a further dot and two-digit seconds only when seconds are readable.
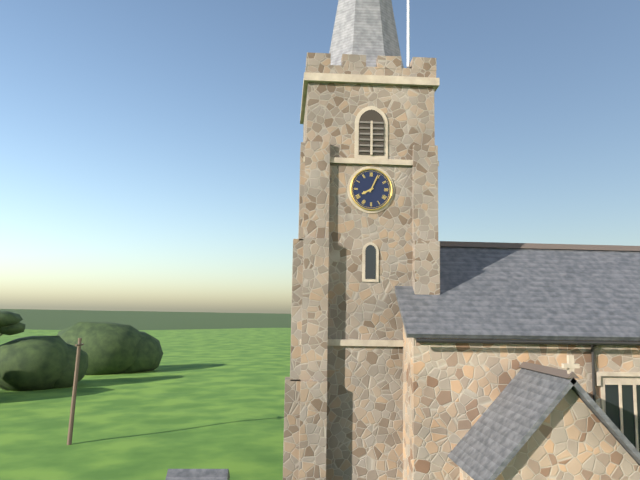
8.04
